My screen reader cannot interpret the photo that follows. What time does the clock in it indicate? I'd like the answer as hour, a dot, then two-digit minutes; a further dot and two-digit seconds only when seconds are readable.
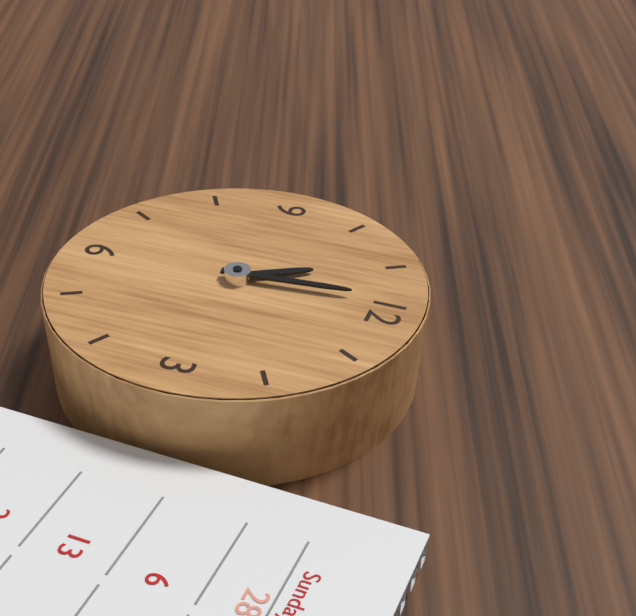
10.59
